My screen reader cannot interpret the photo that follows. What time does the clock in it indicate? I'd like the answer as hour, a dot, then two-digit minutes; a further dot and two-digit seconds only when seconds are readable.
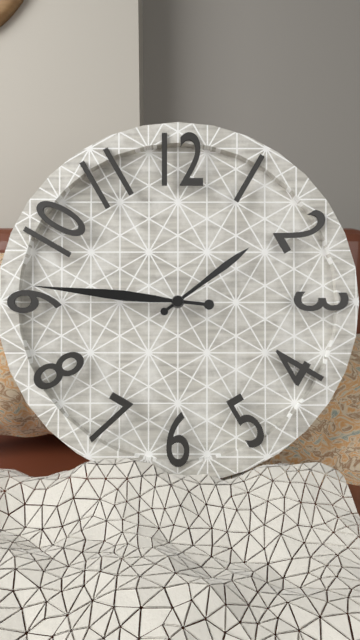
1.46
